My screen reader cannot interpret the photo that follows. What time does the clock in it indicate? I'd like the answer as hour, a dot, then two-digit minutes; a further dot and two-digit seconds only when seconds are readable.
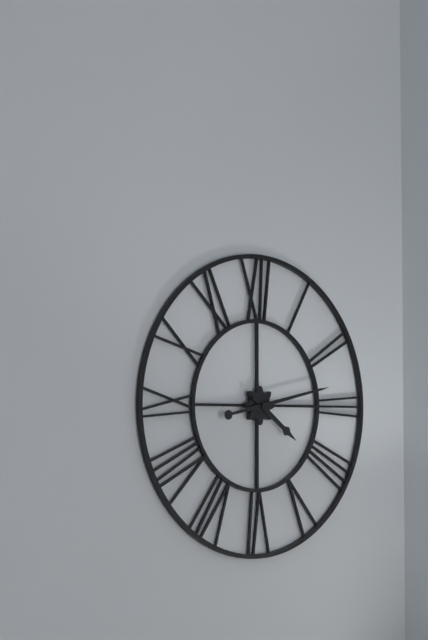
4.13
